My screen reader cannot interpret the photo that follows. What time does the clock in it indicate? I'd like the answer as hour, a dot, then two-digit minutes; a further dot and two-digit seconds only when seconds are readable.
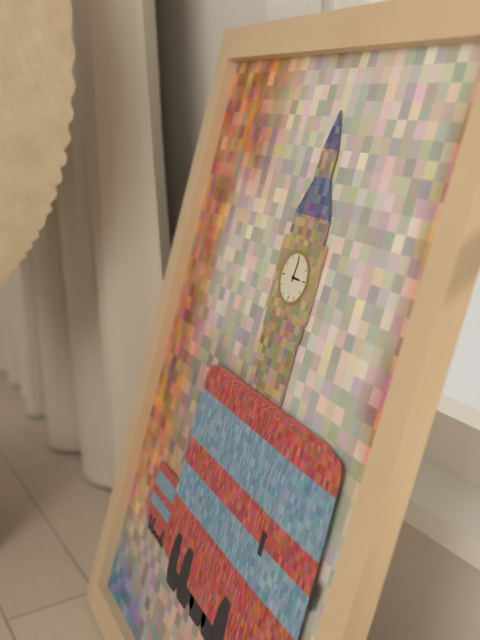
3.01
